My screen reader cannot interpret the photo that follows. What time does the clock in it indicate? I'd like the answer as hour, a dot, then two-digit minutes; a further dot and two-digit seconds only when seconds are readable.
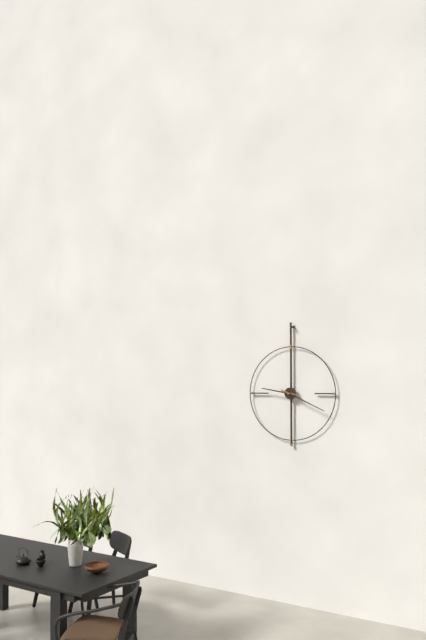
9.19
